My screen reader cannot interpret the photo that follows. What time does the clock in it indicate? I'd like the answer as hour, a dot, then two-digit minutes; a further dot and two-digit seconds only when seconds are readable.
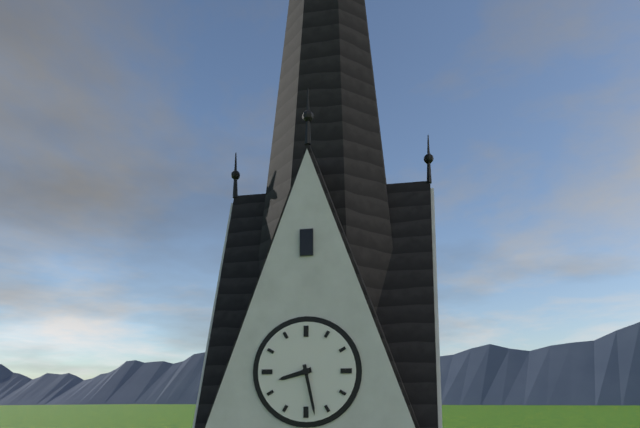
8.28
